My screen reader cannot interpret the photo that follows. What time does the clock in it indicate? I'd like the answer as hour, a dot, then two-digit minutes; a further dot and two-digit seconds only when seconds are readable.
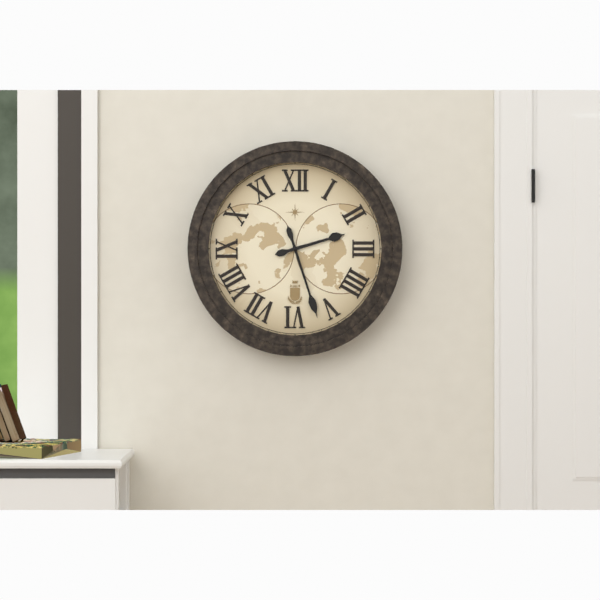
2.27
